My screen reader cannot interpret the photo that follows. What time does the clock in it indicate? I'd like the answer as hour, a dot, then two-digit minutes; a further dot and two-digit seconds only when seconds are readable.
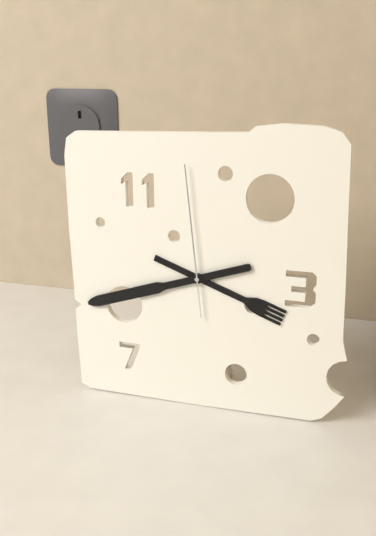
3.42.59
